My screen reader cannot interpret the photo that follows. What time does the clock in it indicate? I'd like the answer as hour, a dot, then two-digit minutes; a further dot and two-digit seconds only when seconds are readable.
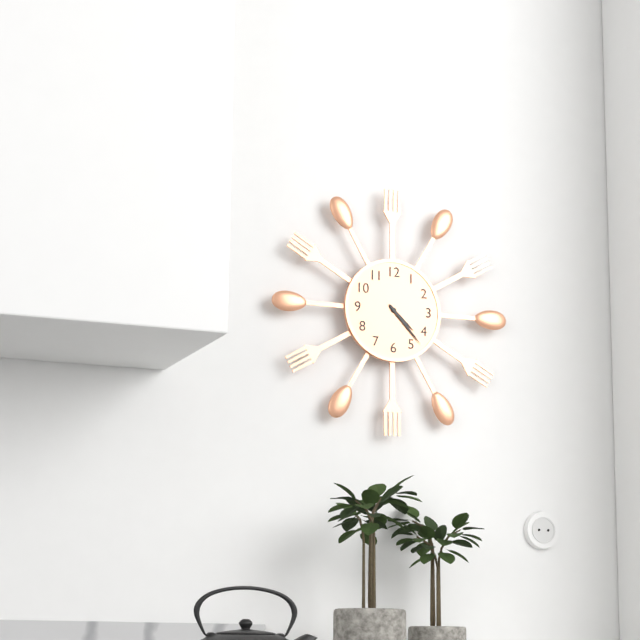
4.23
